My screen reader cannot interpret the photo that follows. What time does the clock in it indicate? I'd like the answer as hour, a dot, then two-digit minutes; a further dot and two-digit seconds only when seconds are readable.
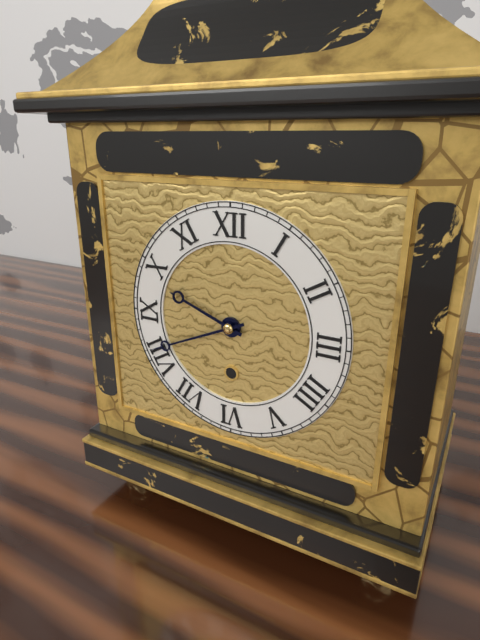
9.41
